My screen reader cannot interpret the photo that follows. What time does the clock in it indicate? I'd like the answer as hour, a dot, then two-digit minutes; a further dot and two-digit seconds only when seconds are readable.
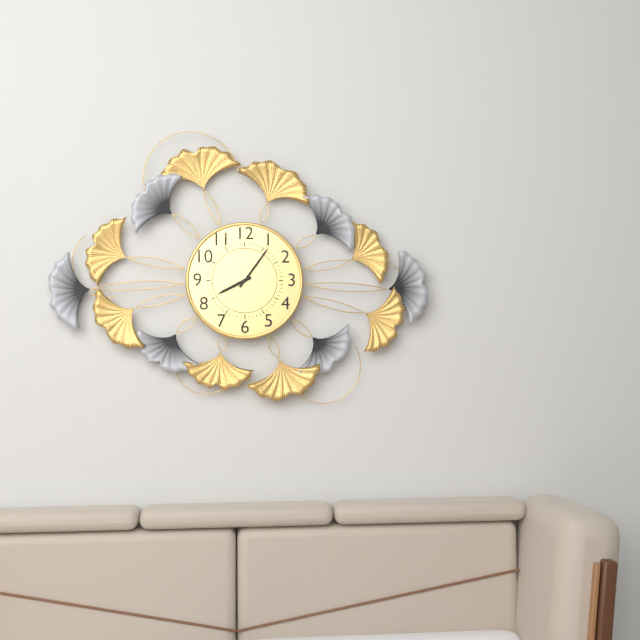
8.06
